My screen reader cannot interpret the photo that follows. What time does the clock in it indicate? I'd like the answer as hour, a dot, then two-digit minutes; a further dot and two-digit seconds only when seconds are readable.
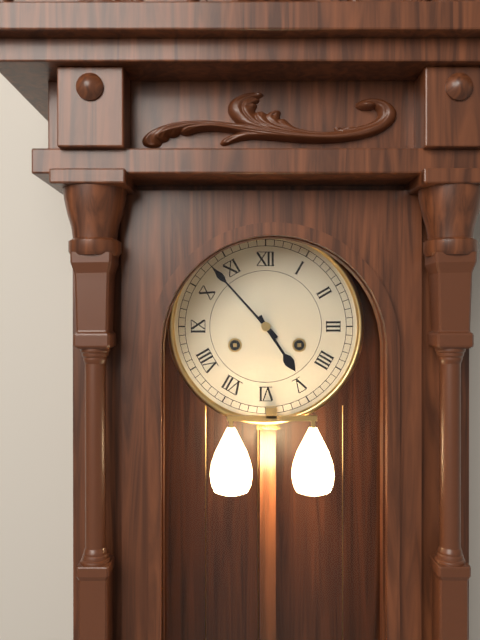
4.53
